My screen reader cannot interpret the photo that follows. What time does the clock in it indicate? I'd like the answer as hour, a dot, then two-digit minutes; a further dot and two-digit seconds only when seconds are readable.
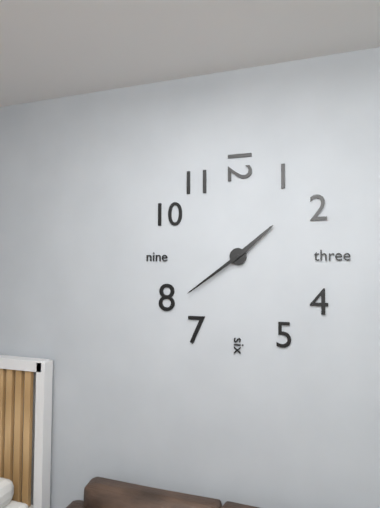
1.39
